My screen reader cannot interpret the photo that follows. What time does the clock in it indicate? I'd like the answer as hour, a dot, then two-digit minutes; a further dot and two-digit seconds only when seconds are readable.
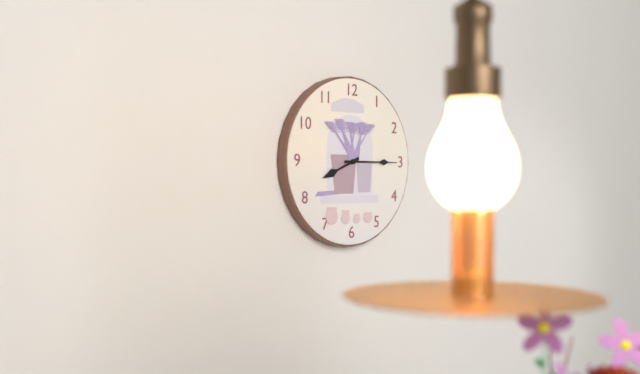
8.15
